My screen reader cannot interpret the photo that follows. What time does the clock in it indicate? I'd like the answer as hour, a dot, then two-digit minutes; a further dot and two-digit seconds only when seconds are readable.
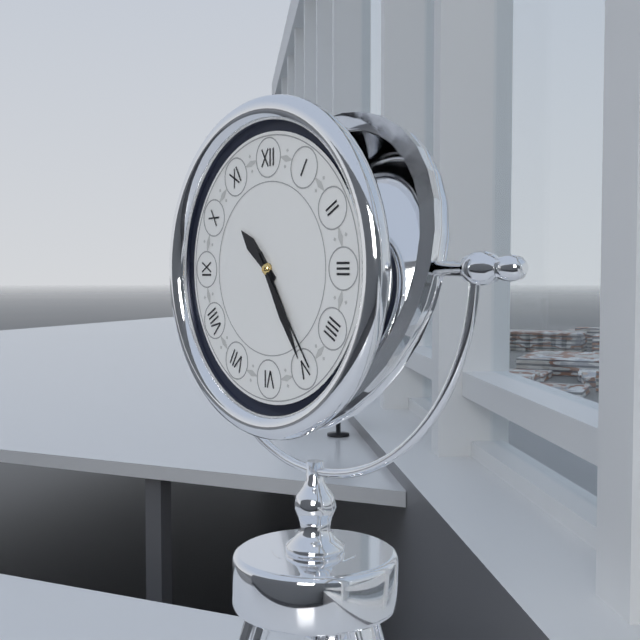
10.25.24
